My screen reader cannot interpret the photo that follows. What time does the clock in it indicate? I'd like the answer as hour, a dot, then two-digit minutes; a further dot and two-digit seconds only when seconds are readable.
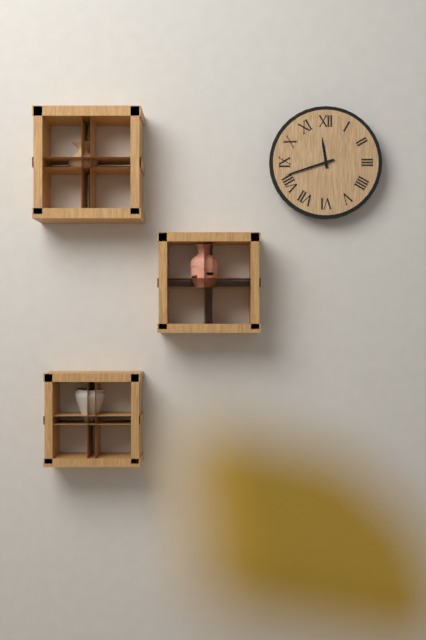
11.42
